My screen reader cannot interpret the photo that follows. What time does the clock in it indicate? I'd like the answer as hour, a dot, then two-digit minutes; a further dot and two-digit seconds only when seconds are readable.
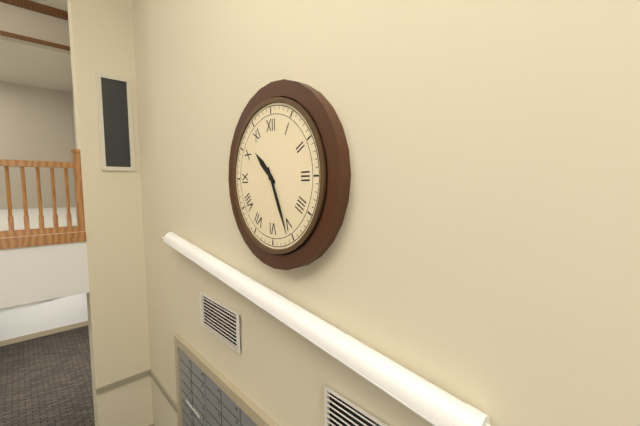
10.26
